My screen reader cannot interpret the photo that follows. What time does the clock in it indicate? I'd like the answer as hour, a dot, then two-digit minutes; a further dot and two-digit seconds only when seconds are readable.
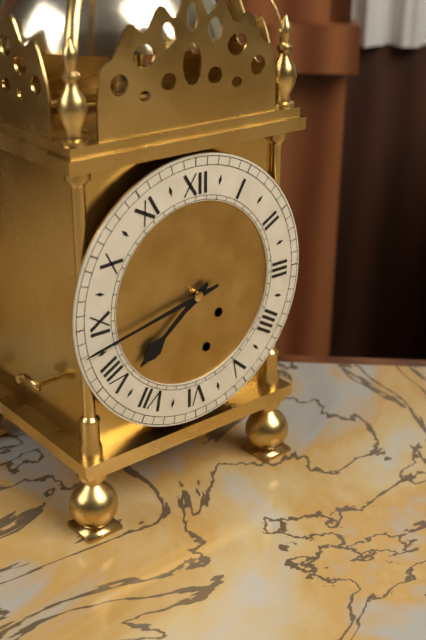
7.43
